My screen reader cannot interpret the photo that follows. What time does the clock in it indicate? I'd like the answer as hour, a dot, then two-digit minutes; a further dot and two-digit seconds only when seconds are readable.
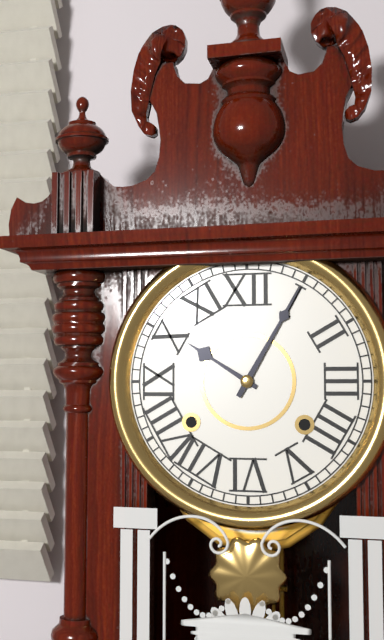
10.05
